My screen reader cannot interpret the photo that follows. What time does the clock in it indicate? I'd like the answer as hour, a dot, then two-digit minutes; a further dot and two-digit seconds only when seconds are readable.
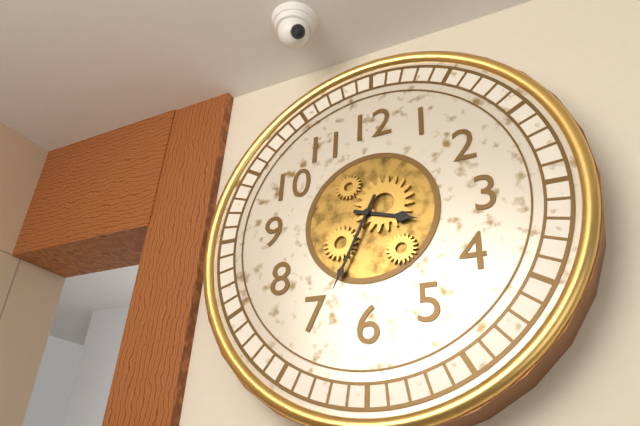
3.34
